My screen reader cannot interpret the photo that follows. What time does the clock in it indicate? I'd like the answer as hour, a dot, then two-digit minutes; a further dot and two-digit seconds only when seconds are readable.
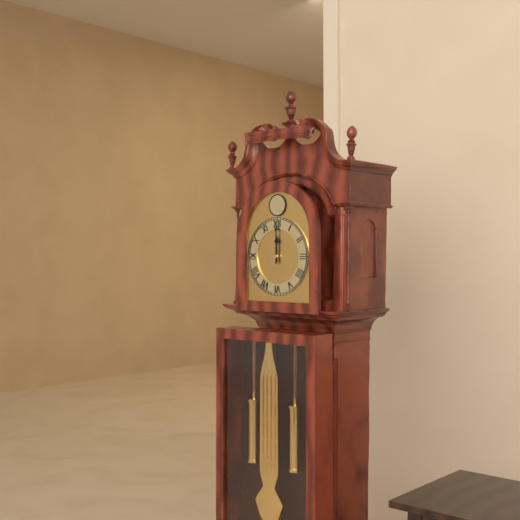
12.00
